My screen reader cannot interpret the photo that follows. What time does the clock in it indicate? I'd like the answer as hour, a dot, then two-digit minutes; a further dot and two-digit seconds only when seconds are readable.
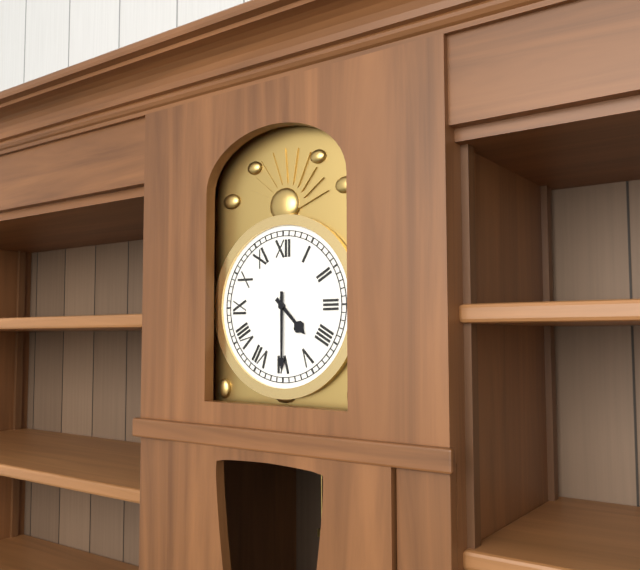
4.30
